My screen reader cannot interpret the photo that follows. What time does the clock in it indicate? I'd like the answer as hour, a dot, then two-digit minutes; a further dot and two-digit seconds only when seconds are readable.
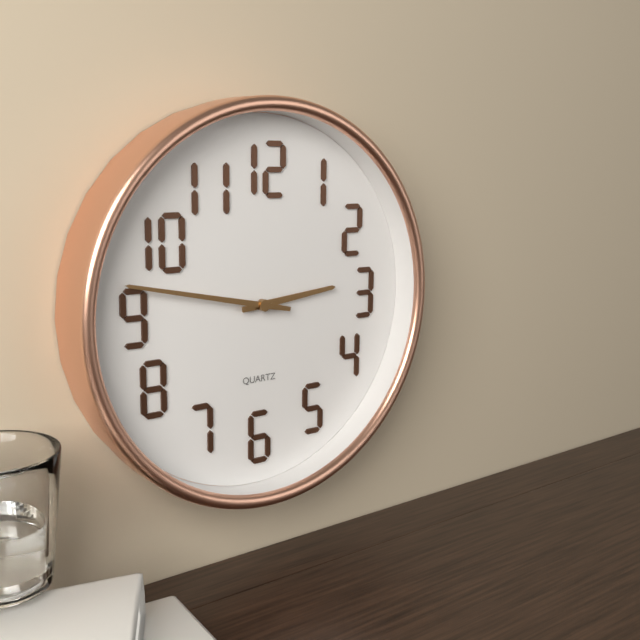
2.47
